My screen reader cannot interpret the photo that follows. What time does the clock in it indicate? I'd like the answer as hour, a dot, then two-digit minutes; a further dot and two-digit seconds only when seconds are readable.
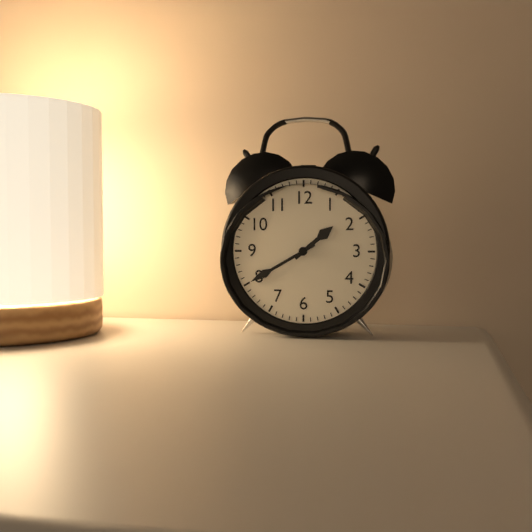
1.40
